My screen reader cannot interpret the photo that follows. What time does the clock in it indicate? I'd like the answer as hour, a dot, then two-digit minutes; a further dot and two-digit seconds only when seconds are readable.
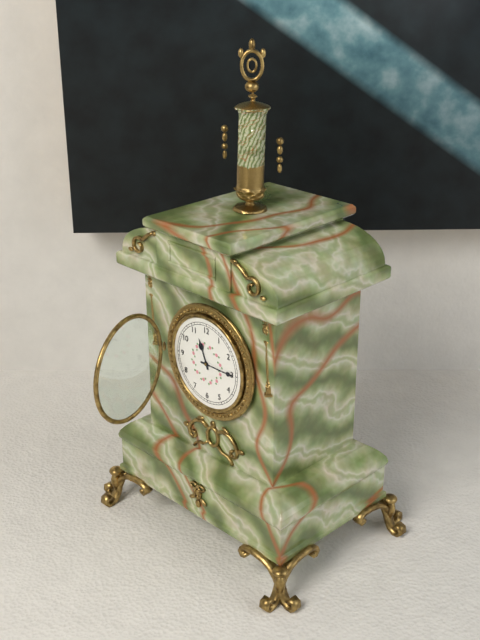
11.15
